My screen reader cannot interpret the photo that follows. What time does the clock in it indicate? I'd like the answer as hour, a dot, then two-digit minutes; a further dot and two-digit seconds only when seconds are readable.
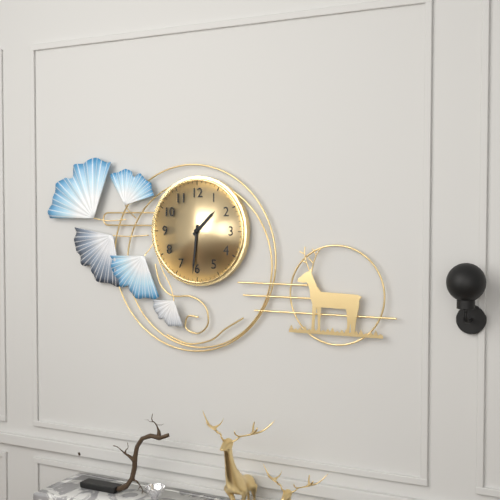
1.31
